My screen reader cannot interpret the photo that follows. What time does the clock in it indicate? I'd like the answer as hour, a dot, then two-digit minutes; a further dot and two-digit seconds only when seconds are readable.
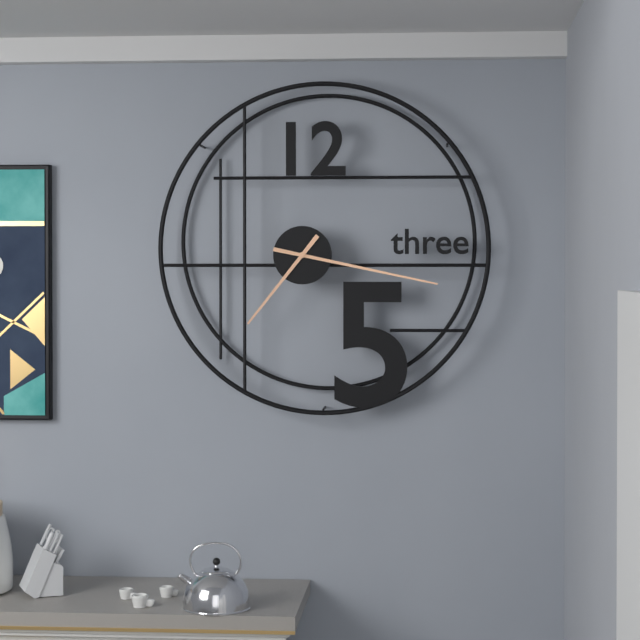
7.17
